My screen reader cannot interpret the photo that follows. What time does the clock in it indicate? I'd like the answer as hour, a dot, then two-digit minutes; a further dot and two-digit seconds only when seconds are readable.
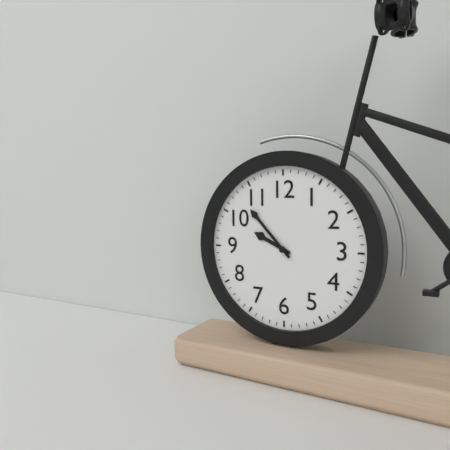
9.53
